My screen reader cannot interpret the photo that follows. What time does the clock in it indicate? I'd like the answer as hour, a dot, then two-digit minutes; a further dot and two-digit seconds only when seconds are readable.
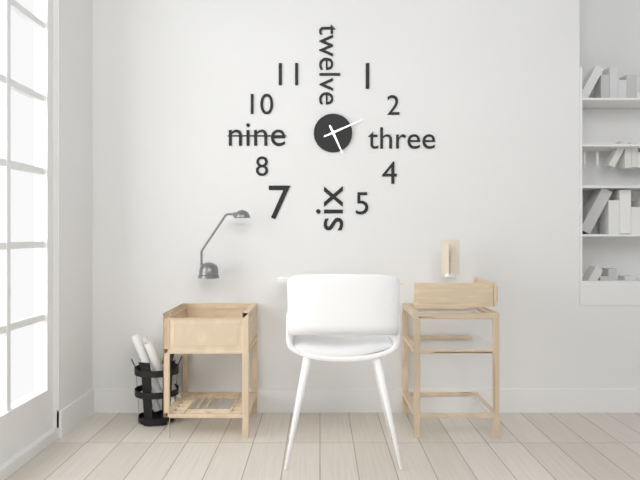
5.11
